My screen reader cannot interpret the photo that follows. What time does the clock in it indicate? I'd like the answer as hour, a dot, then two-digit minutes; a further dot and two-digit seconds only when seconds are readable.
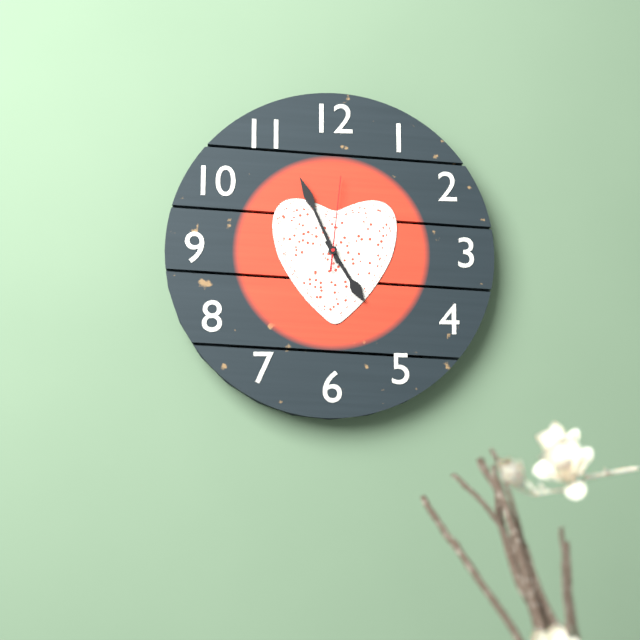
4.56.01
